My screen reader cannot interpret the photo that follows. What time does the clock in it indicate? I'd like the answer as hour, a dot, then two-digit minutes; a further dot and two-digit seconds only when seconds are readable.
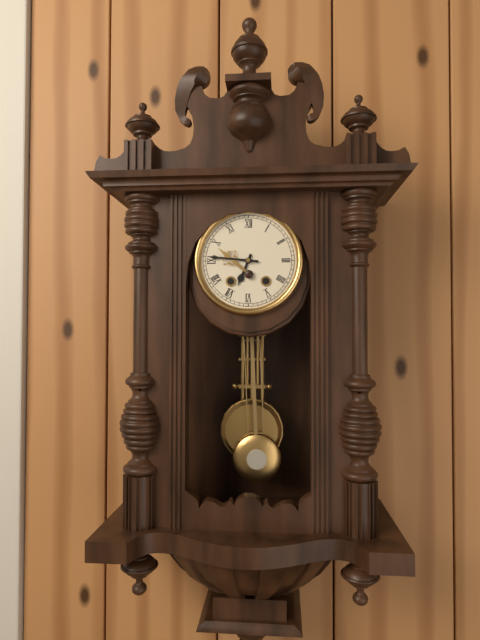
6.46
